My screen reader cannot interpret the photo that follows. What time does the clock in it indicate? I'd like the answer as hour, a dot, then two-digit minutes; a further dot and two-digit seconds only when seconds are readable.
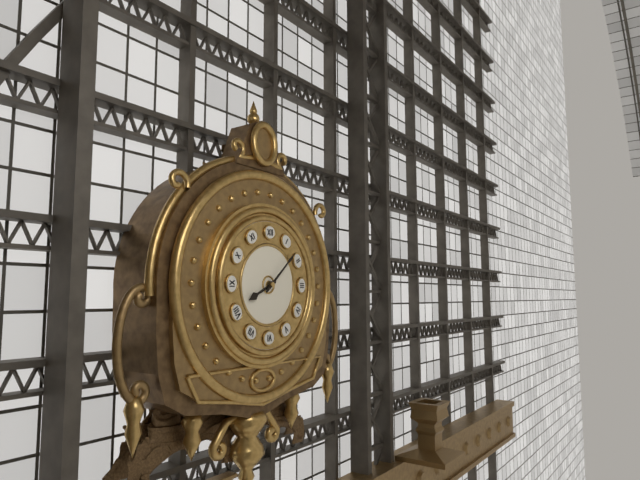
8.08
